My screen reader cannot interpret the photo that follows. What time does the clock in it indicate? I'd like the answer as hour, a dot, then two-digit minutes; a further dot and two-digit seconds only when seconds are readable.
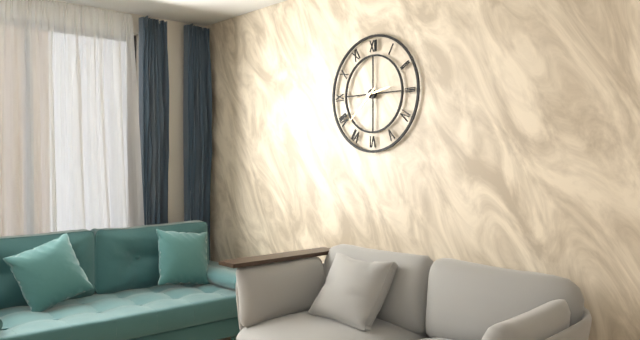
2.38
